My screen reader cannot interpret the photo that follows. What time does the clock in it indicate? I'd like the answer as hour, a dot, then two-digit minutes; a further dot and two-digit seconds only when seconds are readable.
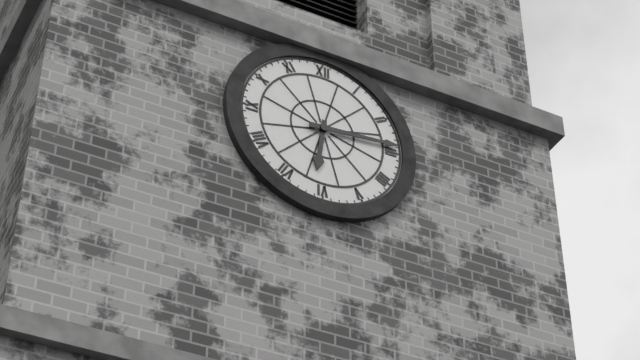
6.14
